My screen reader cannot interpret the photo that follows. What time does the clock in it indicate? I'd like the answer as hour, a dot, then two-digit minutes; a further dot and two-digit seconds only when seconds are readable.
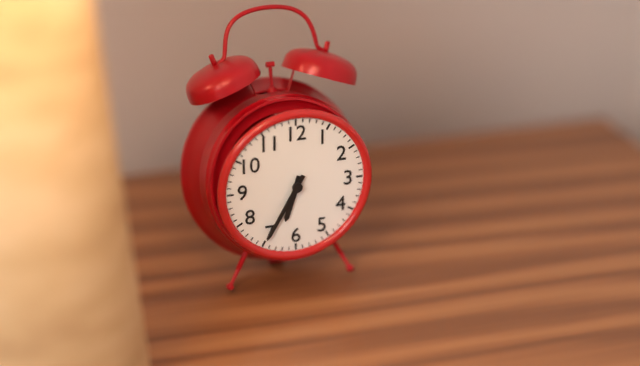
6.35
